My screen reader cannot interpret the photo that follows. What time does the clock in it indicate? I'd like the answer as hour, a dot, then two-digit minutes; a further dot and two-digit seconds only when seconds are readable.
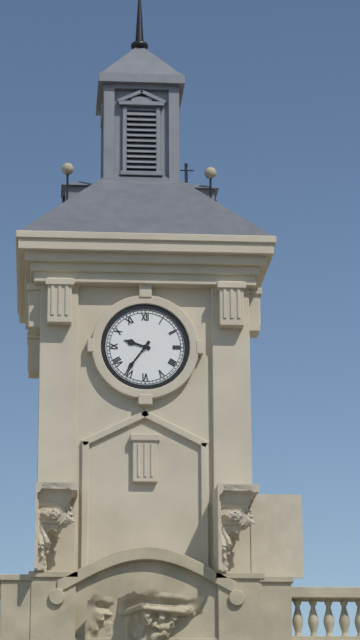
9.36
